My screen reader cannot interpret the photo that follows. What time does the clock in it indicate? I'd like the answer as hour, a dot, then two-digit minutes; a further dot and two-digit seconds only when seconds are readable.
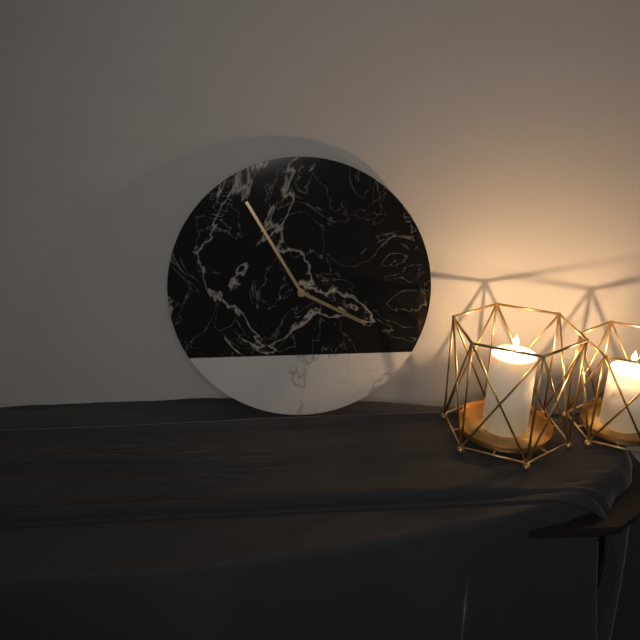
3.55
